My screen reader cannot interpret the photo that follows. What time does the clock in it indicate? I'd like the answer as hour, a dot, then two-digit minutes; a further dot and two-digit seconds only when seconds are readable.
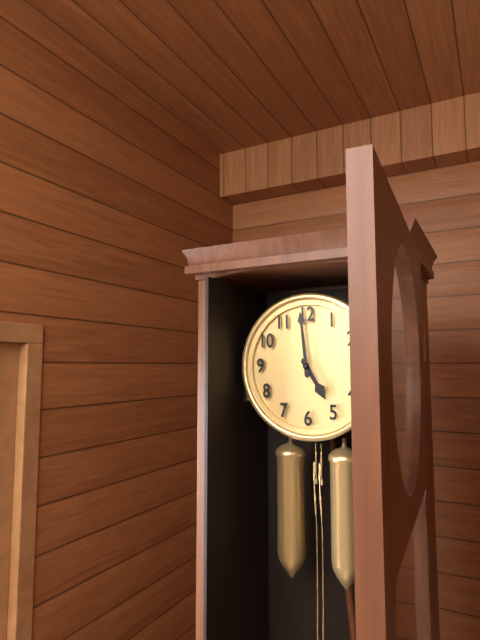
4.59
